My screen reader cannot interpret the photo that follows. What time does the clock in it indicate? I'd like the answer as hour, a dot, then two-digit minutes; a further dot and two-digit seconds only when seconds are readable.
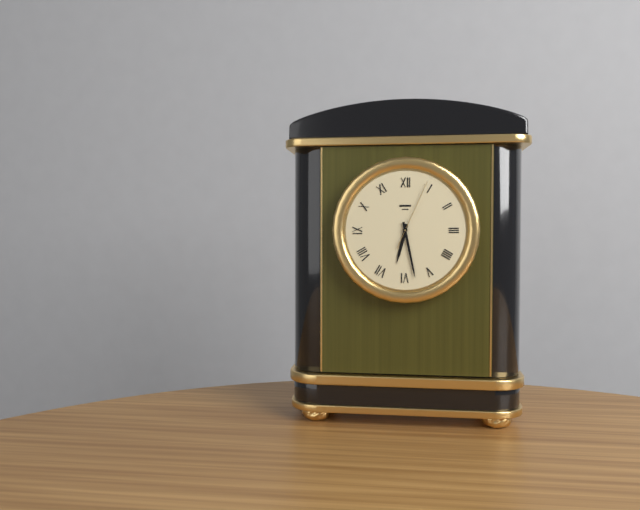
6.28.04
